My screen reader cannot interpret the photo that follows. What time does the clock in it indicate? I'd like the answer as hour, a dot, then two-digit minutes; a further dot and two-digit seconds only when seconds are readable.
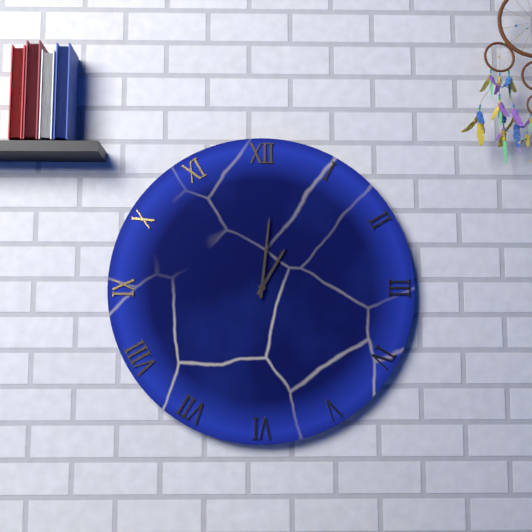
1.01
